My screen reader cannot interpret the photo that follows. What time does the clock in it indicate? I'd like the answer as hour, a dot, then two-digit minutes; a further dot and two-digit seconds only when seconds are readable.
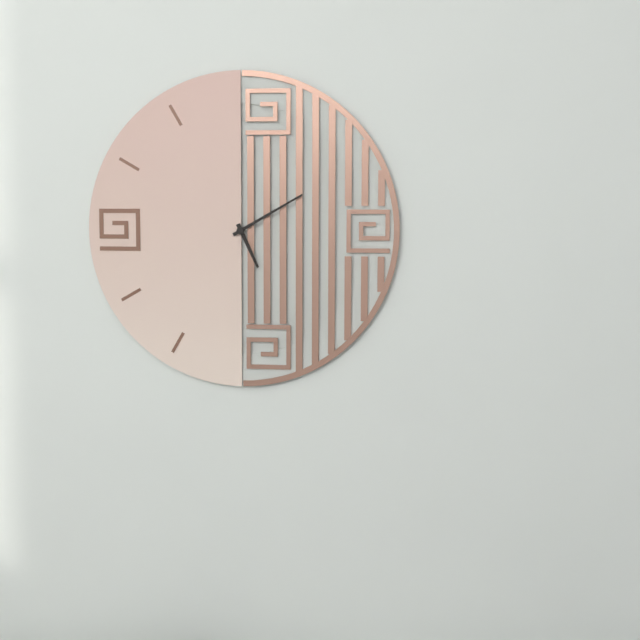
5.10
